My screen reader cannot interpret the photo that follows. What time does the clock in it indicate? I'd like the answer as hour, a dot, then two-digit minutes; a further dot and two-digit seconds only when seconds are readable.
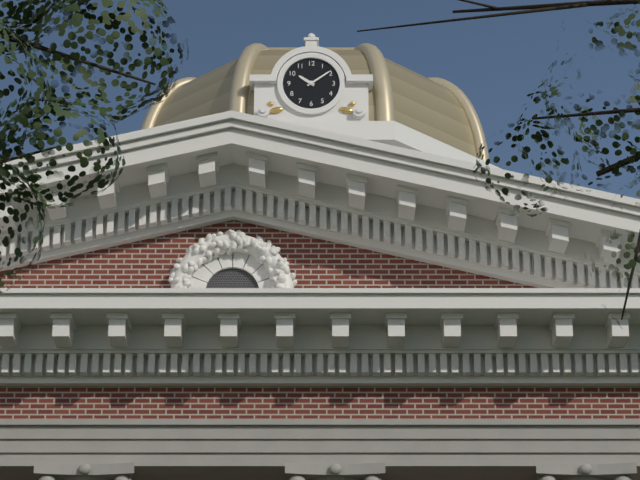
10.09
